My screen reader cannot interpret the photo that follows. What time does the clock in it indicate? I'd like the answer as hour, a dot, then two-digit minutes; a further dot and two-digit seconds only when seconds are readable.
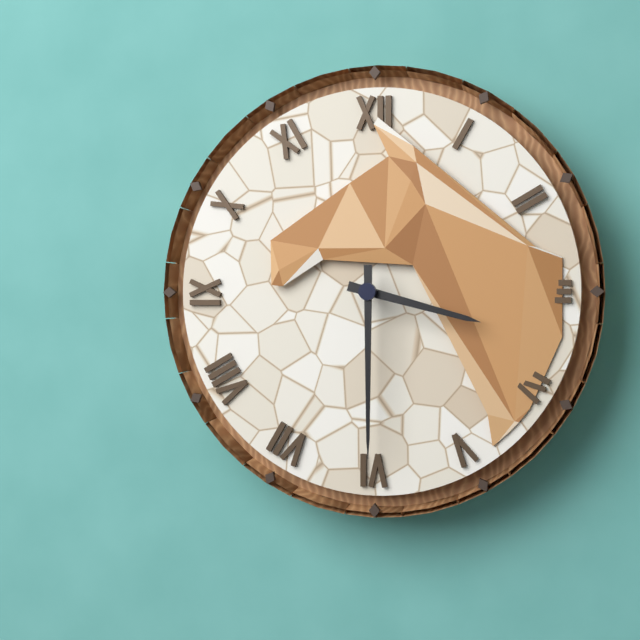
3.30
